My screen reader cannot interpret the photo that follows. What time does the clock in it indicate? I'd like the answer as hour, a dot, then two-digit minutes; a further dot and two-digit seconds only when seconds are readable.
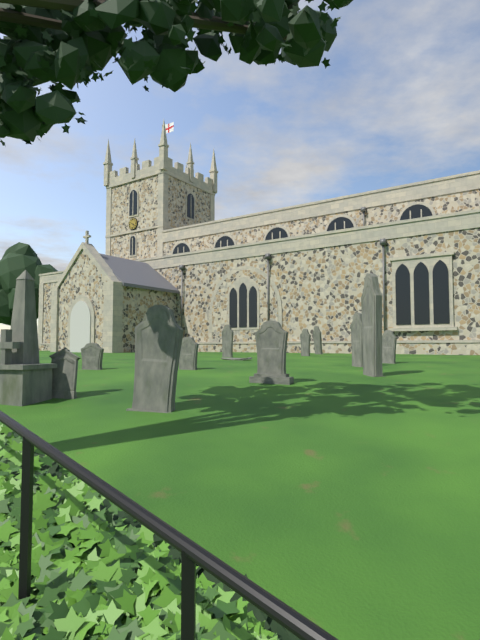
4.20
